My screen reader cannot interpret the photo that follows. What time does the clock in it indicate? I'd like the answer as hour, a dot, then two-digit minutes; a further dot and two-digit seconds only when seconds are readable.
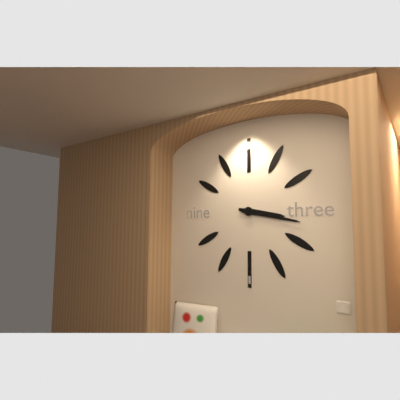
3.17
